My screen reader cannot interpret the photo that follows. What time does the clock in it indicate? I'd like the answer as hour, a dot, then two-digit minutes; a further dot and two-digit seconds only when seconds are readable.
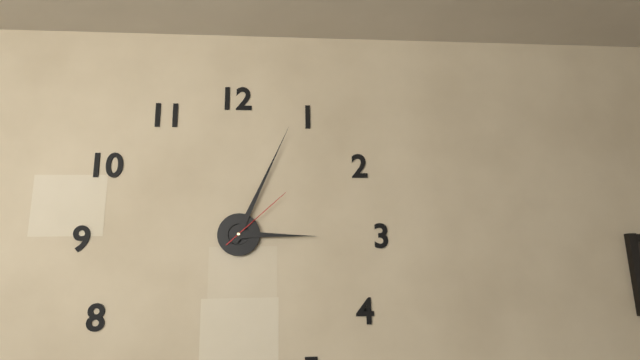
3.04.08
